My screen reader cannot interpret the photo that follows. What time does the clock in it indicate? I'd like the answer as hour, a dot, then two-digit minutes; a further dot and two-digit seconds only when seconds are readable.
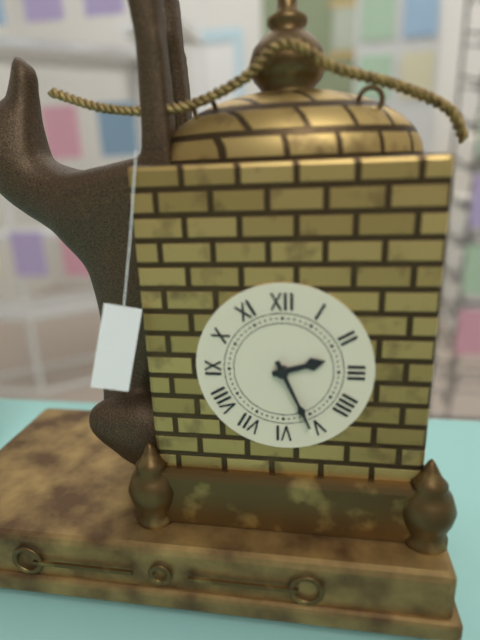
2.26
